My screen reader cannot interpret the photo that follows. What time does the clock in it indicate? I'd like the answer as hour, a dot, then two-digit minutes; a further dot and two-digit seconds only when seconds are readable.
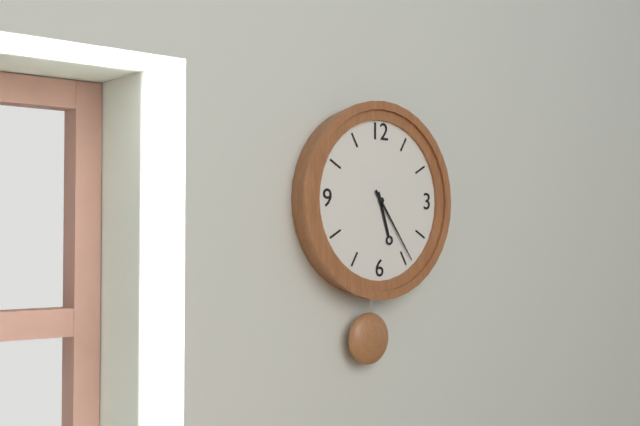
5.24
